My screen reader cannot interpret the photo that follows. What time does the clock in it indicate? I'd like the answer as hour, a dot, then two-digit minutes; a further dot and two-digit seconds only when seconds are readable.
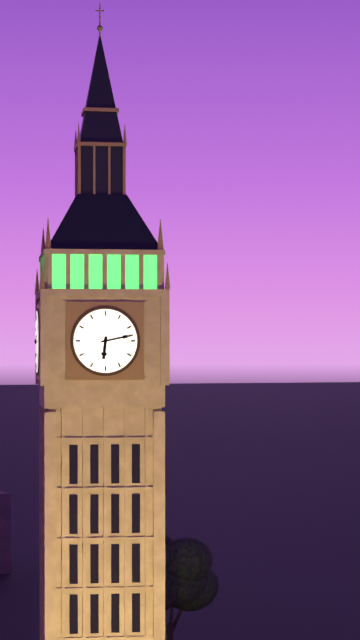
6.13
